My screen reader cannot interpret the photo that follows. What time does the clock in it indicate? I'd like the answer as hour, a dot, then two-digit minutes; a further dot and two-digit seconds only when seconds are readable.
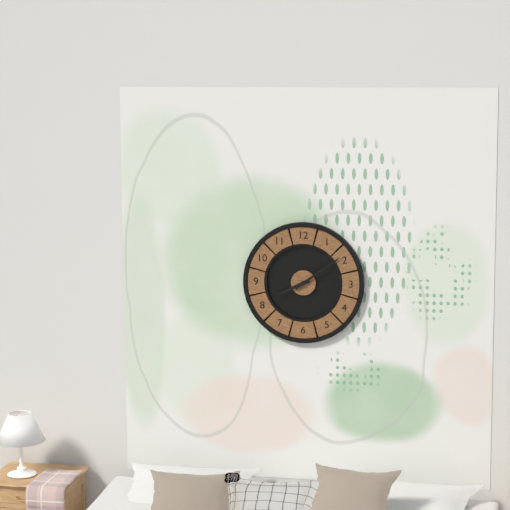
8.09
